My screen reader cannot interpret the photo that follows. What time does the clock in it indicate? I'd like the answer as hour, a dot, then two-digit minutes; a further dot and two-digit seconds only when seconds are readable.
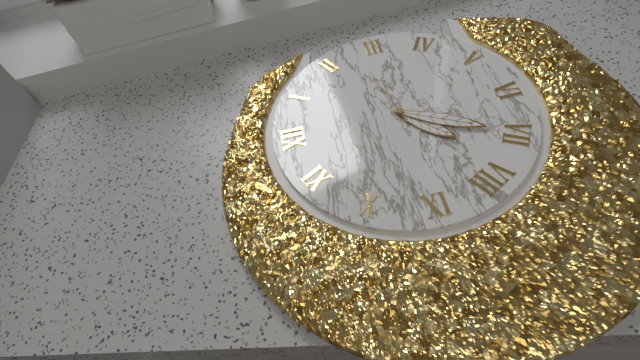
7.35.13
